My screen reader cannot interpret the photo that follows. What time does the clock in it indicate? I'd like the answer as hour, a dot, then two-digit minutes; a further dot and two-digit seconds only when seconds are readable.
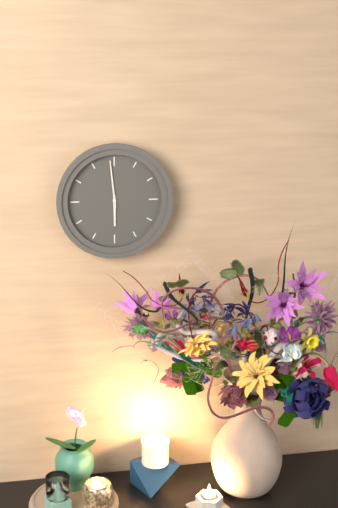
5.59
